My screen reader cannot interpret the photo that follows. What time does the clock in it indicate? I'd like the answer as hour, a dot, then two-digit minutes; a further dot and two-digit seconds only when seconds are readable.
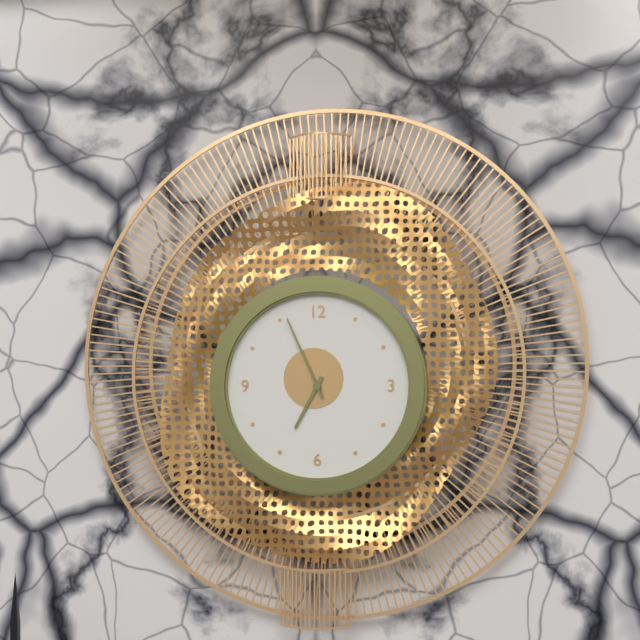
6.56
